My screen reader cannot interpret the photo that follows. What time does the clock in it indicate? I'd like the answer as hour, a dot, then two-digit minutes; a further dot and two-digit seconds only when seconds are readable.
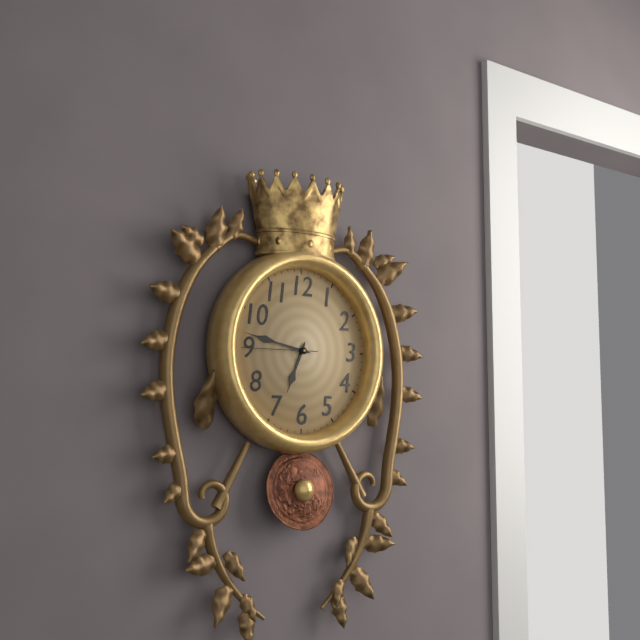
6.47.45
